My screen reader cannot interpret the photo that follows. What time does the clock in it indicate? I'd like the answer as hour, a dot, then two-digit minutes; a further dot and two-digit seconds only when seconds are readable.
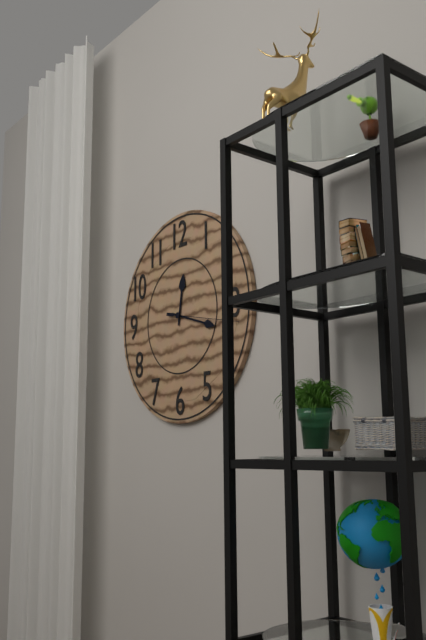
12.18.17
